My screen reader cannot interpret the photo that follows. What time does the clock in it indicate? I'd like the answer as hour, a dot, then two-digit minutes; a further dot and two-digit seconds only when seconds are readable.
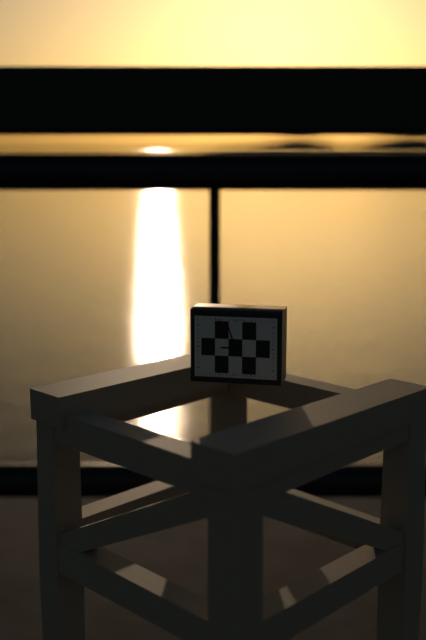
8.57
